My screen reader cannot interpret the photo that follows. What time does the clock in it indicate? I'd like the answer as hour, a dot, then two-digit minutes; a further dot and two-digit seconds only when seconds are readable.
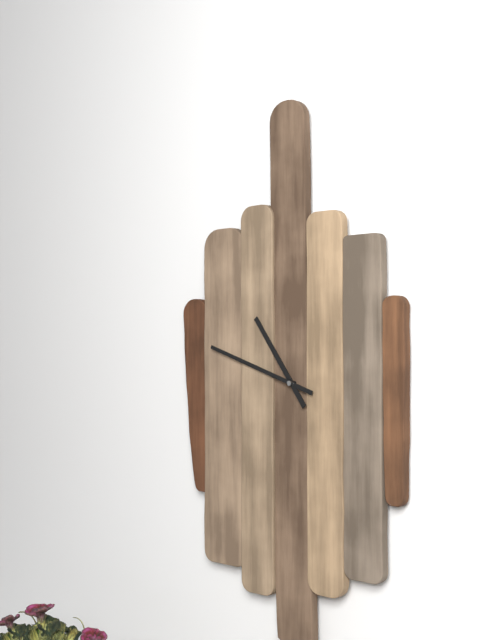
10.48
